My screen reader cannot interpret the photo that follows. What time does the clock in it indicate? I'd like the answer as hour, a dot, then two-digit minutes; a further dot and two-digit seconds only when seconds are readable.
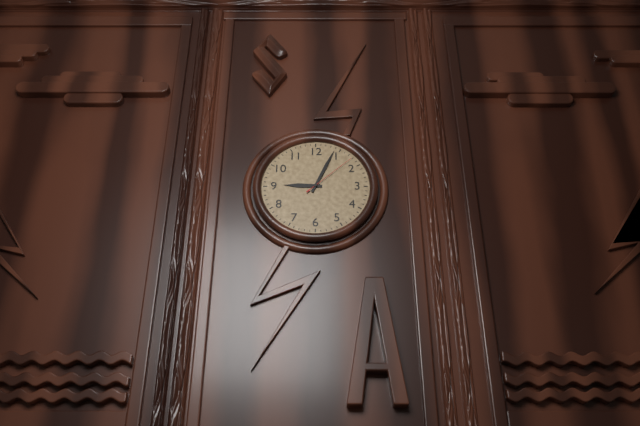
9.04.08
